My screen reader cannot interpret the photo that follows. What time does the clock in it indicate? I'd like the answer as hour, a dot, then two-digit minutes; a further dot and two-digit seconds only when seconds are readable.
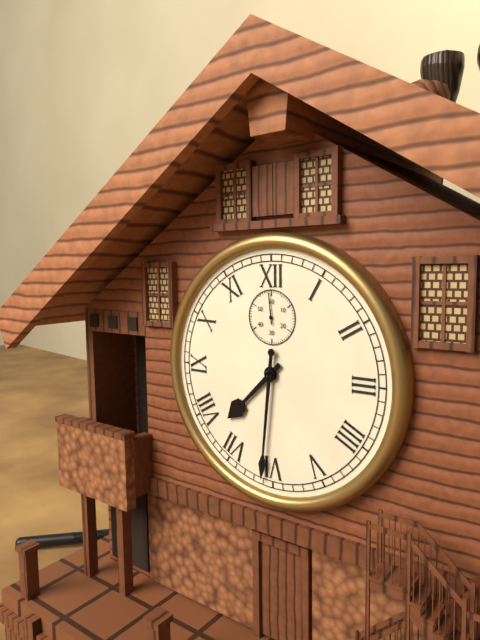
7.31
